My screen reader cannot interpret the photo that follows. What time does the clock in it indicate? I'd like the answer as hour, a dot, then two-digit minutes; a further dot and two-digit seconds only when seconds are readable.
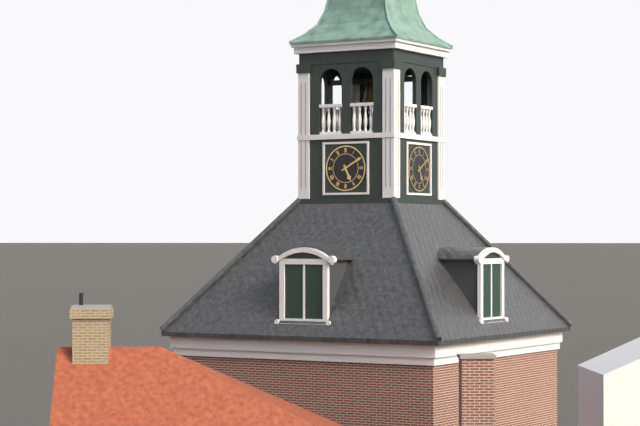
5.10
